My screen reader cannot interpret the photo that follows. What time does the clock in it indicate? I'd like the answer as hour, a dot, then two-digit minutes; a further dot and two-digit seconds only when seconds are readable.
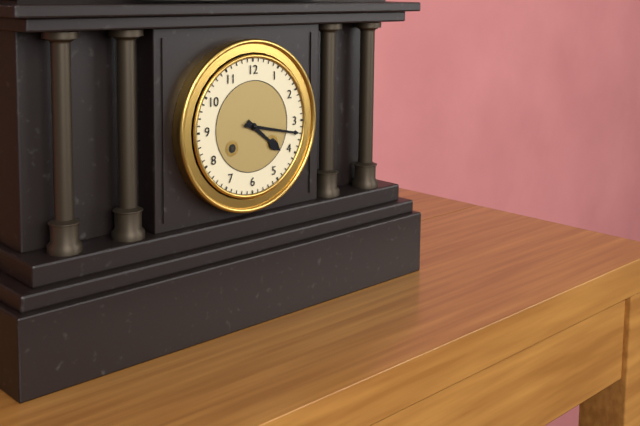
4.17
